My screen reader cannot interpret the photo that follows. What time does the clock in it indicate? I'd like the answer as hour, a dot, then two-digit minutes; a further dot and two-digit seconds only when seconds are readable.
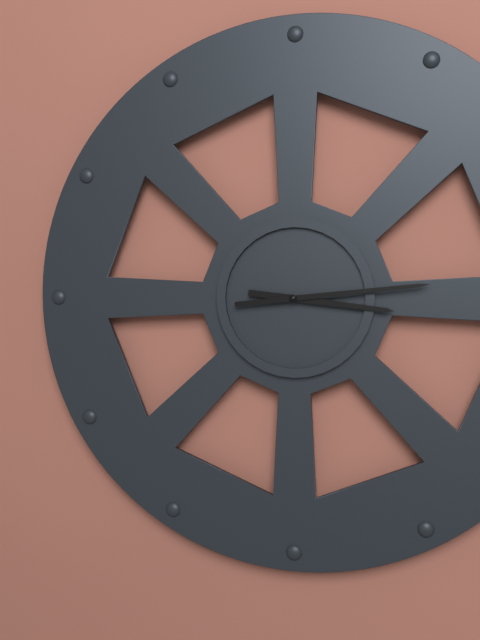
3.14
